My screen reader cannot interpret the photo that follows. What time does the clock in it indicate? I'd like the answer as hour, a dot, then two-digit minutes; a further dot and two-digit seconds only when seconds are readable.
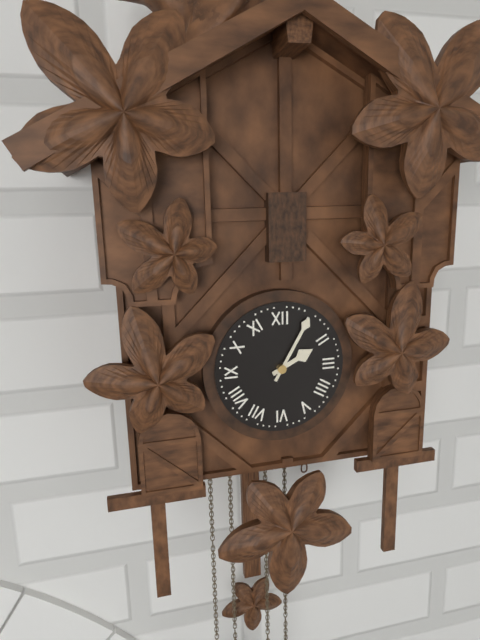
2.05
